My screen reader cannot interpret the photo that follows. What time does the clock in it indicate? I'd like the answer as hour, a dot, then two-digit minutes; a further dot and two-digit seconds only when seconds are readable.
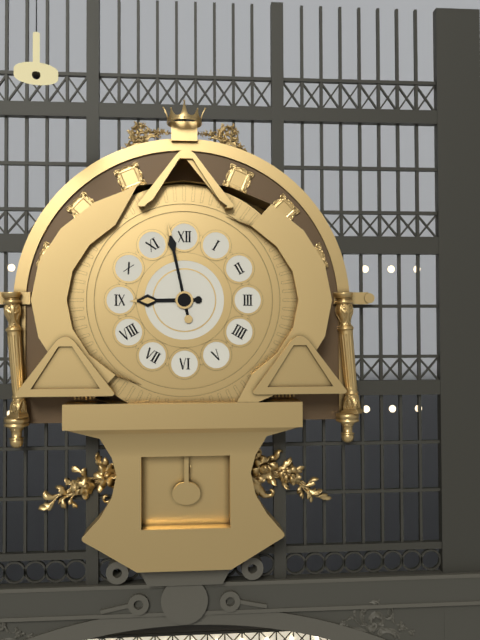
8.58
